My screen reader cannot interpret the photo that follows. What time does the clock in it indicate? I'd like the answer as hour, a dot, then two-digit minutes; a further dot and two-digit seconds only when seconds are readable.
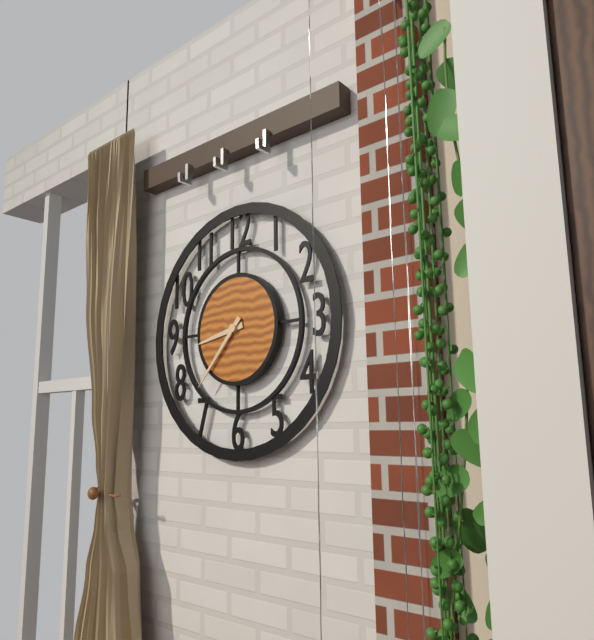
8.37
